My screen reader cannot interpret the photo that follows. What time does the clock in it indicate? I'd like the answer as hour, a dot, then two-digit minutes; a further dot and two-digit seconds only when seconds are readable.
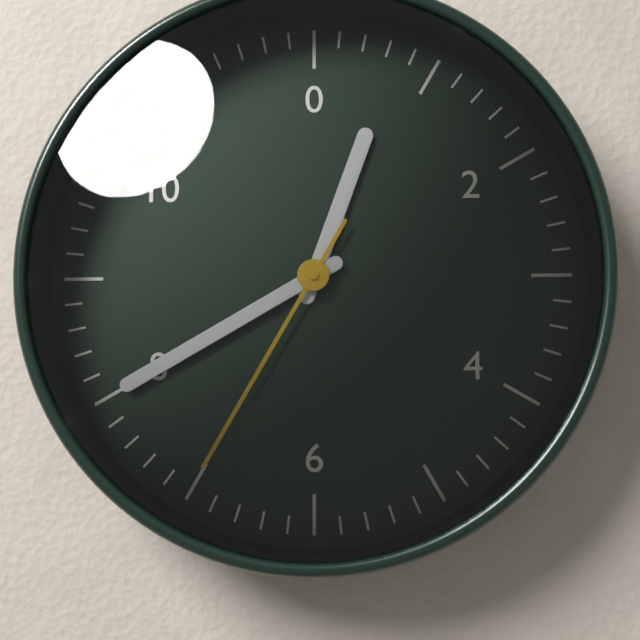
12.40.35
